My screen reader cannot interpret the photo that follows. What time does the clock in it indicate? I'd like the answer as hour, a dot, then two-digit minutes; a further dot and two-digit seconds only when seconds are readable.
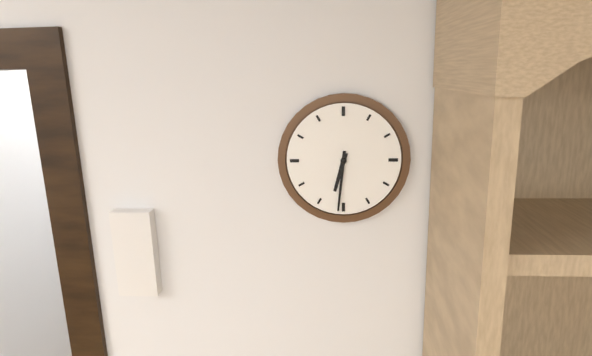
6.31
